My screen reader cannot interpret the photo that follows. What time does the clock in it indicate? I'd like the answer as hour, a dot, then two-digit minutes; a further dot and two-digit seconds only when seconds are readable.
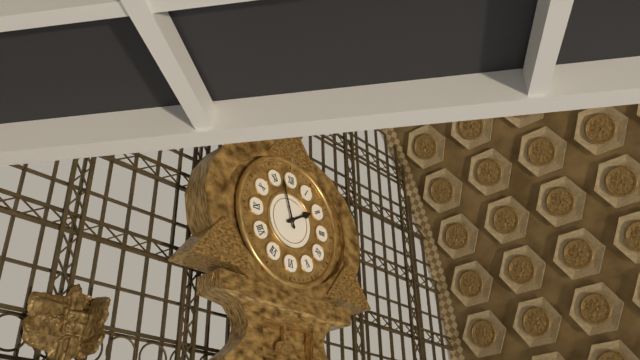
1.57
